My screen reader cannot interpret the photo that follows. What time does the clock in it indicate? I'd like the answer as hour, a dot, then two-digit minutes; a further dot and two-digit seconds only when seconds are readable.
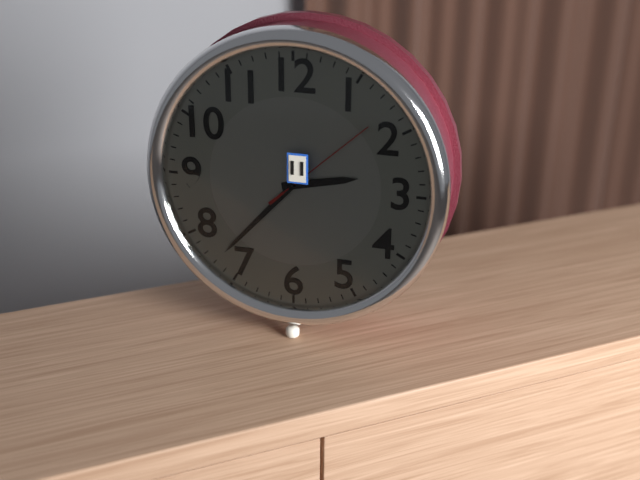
2.37.08
